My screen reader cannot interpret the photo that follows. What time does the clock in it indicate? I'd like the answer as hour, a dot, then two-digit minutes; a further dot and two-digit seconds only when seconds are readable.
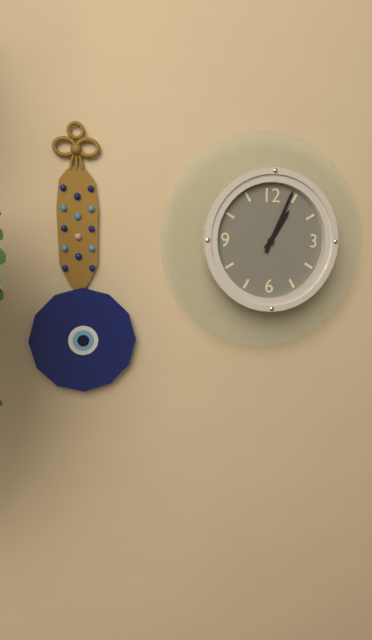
1.04
